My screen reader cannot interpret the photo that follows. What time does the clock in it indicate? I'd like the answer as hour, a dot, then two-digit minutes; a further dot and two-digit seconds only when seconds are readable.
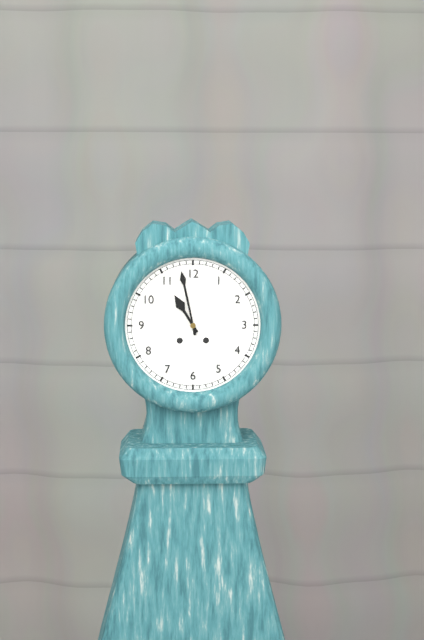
10.58
